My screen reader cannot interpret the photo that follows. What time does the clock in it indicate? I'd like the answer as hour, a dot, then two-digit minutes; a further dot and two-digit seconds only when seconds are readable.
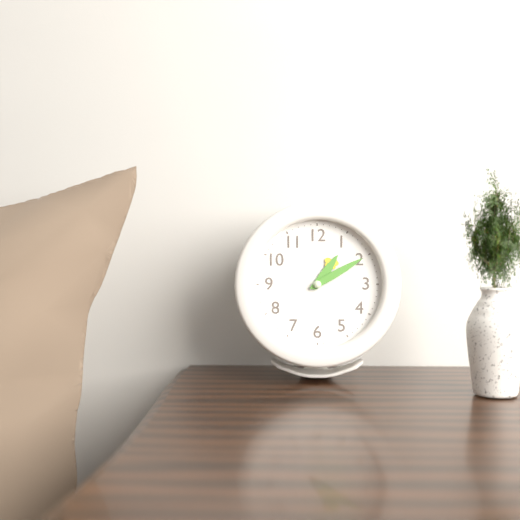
1.10
